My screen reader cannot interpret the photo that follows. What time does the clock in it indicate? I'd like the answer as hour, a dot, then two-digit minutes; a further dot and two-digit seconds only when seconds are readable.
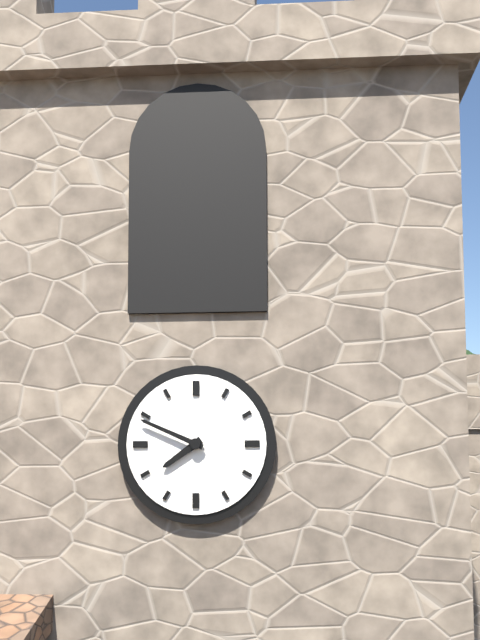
7.49
